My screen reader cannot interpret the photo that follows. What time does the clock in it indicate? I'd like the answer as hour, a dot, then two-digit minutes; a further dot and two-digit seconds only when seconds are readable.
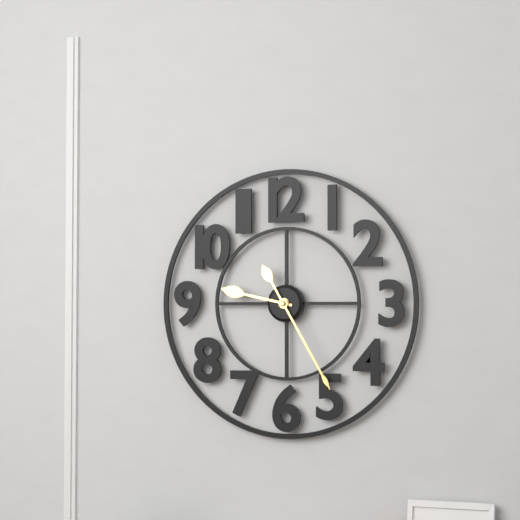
9.25
